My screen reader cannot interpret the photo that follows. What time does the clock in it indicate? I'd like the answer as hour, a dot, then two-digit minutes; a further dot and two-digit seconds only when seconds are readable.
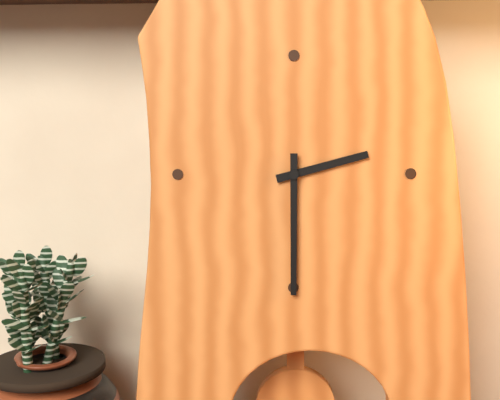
2.30
